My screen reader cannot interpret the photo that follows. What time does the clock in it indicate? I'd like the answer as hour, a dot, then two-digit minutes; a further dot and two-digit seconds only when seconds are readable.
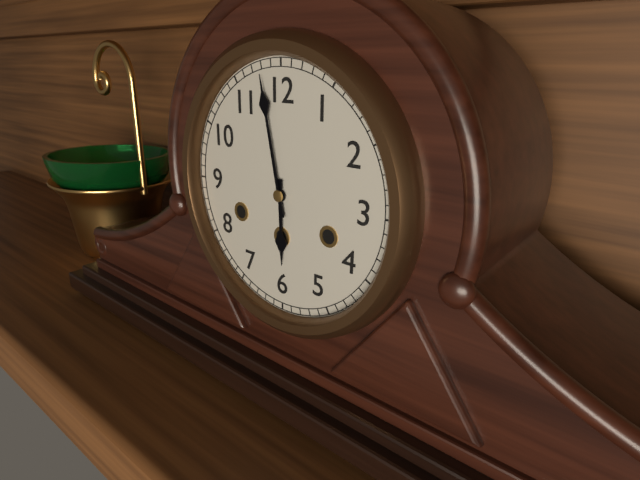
5.58
